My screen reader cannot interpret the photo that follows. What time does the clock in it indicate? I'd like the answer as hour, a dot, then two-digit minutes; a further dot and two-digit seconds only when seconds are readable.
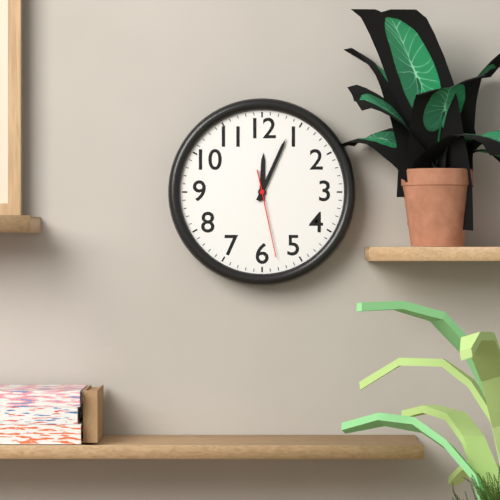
12.04.28
